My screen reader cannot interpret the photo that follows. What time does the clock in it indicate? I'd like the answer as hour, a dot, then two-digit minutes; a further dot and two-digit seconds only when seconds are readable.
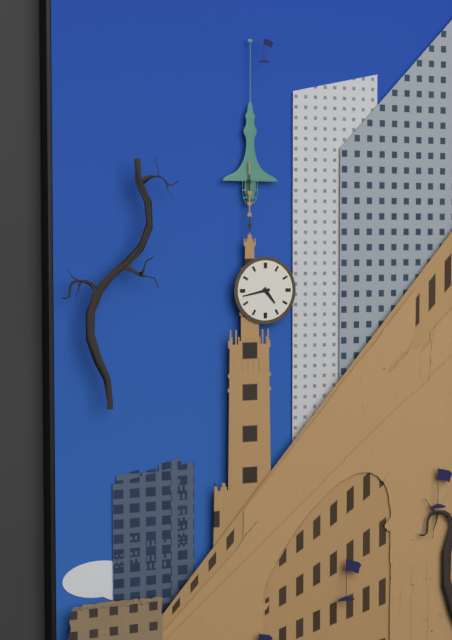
4.43
